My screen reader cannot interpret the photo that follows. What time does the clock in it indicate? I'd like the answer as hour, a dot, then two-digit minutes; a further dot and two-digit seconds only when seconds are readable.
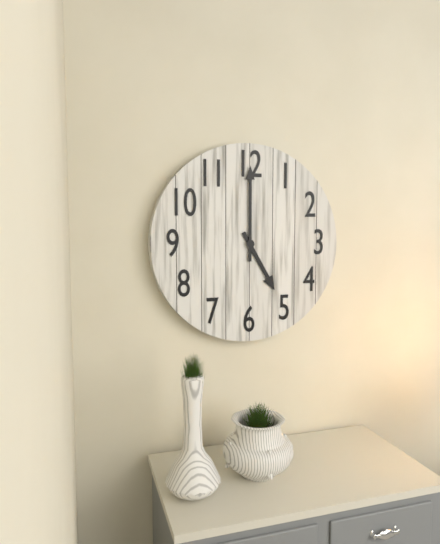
5.00
